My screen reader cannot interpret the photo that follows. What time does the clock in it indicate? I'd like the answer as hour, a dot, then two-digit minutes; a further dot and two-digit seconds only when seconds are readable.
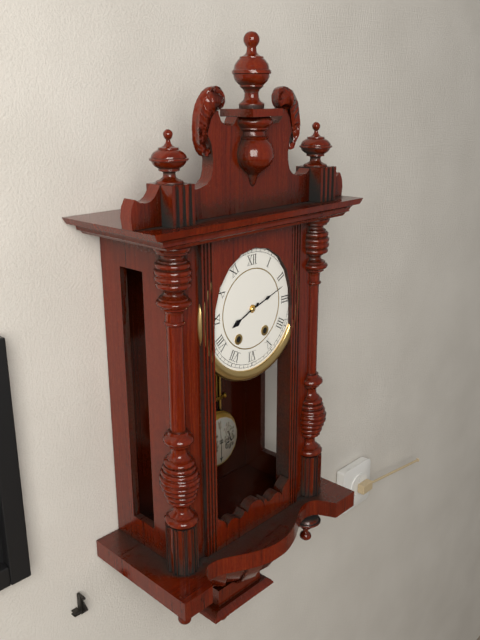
8.12
